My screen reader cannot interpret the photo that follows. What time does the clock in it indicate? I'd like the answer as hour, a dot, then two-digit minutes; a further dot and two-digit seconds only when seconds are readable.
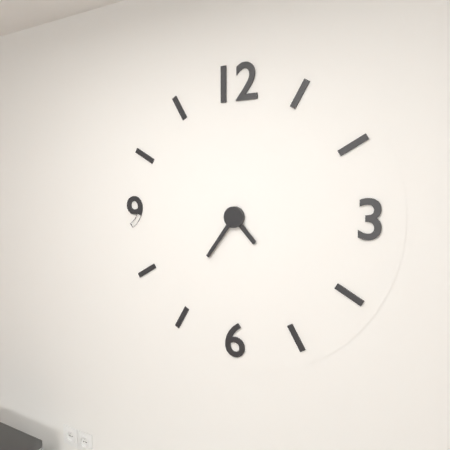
4.36
